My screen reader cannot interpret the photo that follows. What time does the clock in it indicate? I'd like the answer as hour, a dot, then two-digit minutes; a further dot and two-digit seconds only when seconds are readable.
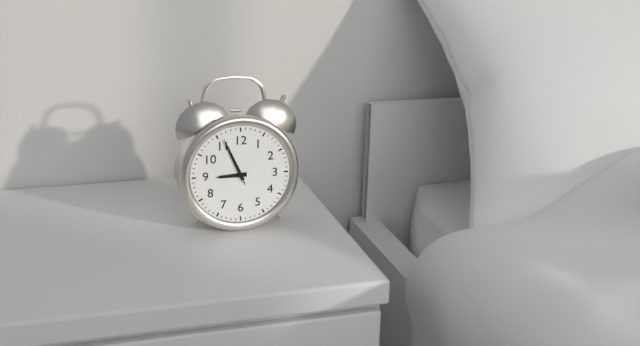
8.56.56
